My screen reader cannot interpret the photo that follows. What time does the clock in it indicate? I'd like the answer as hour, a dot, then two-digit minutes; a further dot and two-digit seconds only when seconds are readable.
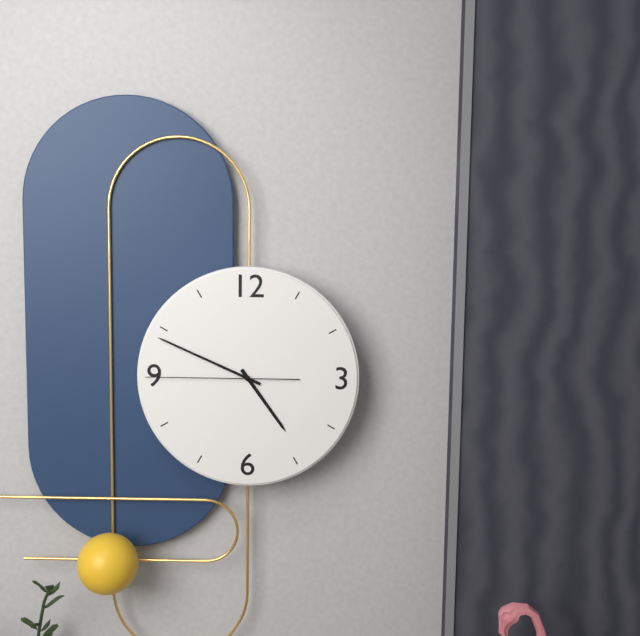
4.49.45
